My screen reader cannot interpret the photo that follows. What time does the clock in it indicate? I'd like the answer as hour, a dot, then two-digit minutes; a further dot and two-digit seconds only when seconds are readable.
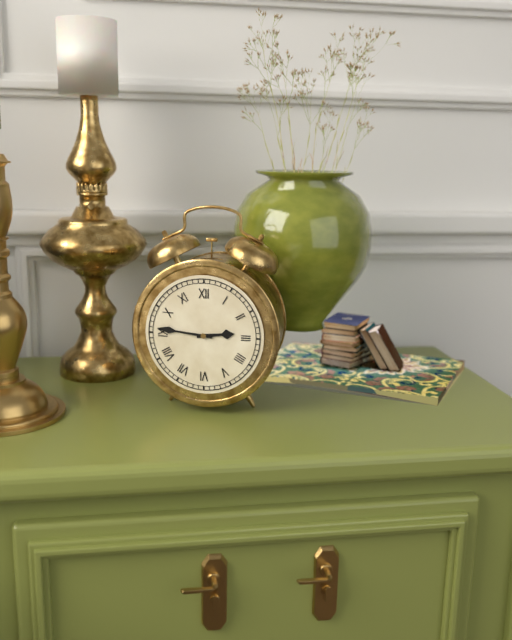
2.46
